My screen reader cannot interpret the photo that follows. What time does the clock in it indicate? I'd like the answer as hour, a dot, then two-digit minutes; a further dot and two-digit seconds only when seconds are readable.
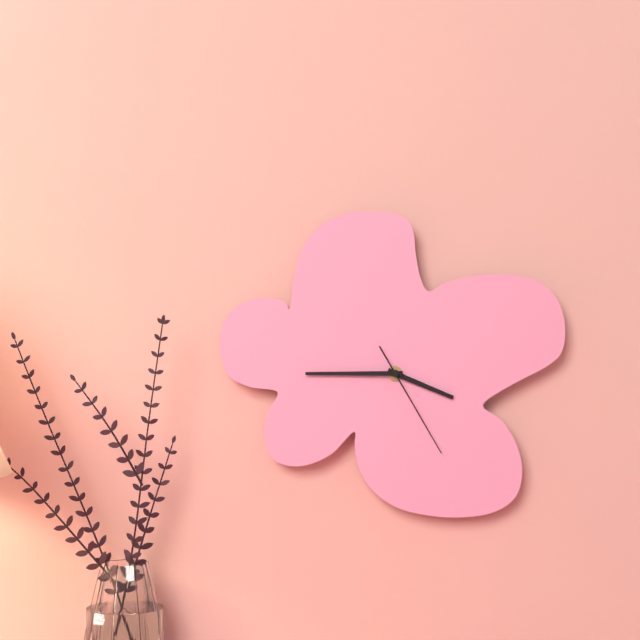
3.45.25
